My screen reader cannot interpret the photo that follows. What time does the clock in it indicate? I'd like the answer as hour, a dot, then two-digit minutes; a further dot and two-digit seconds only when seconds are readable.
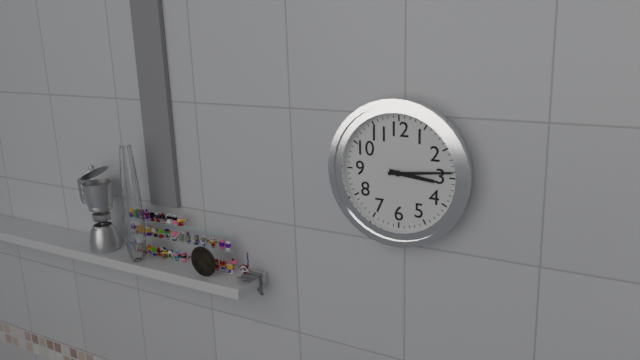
3.14
